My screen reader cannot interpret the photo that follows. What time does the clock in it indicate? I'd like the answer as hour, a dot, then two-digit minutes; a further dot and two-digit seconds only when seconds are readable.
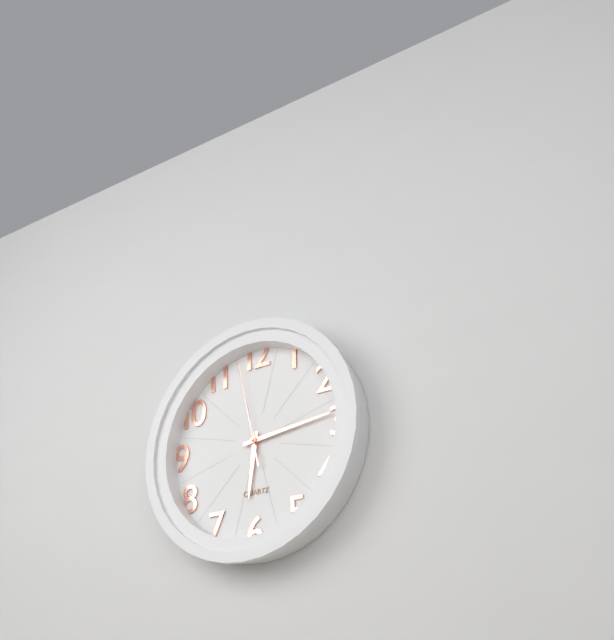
6.14.58
